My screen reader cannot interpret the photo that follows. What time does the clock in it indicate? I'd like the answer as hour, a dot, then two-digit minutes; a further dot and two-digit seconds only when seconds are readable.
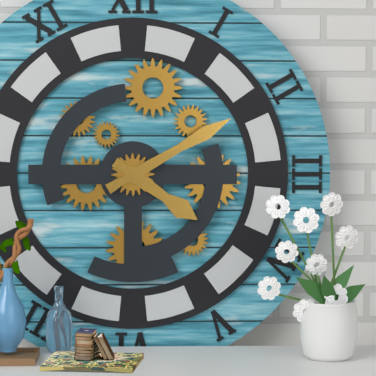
4.10
